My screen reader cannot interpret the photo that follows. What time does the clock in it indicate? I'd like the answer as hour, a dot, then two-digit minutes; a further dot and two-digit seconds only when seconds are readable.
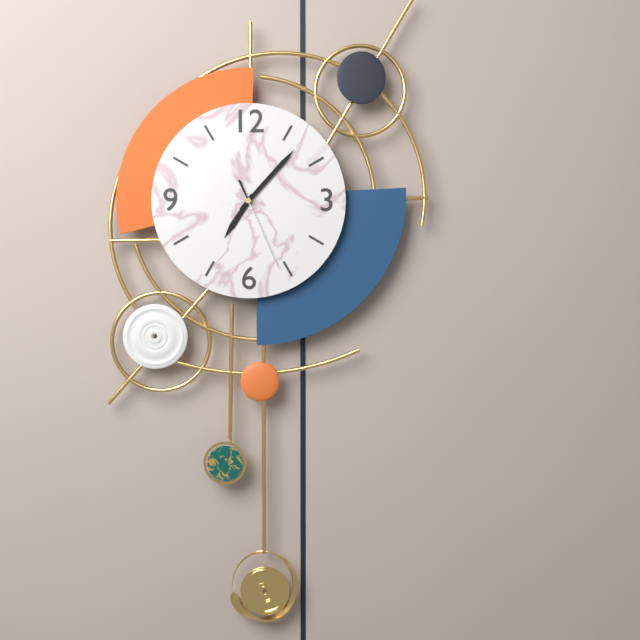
7.07.26
